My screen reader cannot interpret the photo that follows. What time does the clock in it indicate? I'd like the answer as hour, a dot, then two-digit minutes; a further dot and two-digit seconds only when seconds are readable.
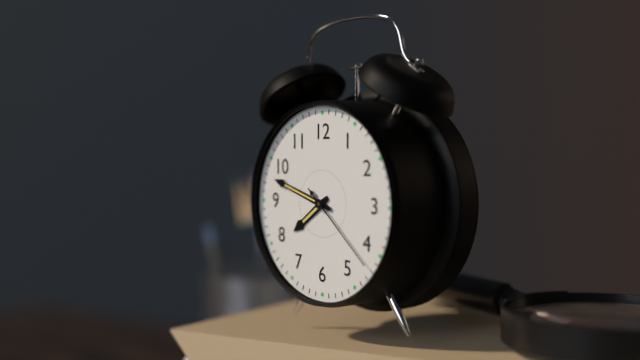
7.48.22
